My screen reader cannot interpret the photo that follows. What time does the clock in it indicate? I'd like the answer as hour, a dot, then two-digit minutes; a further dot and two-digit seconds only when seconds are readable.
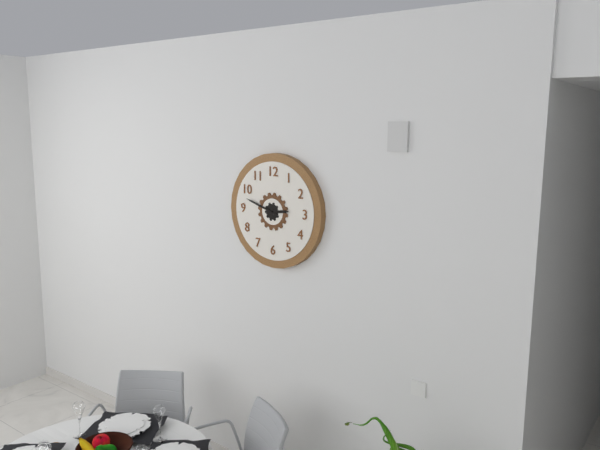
2.48
